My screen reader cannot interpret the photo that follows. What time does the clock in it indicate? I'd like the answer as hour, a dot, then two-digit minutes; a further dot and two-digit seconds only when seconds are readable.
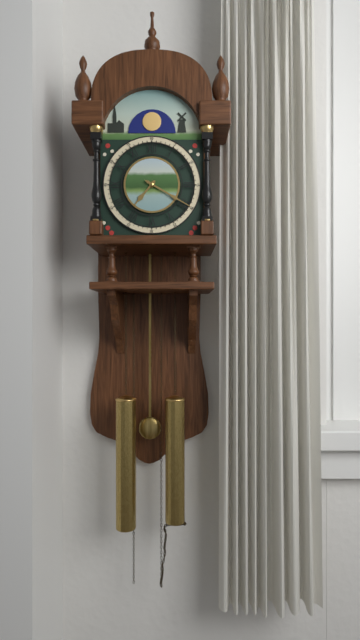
7.20
